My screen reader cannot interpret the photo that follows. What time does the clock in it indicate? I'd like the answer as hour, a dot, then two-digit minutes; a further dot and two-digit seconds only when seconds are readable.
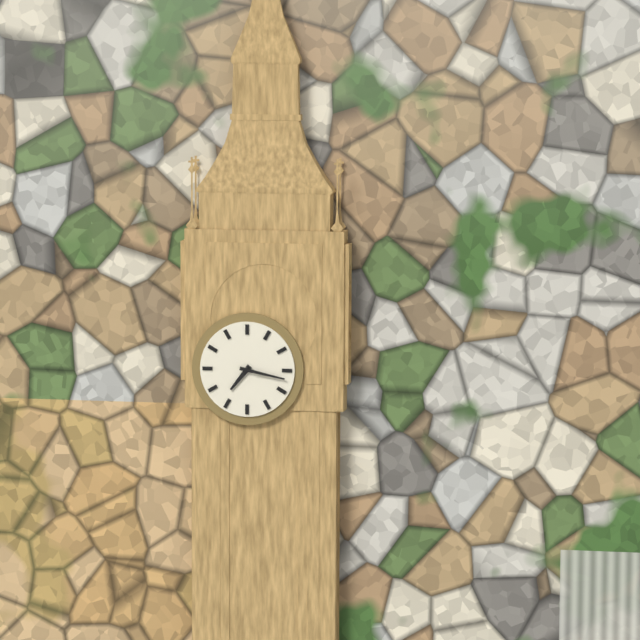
7.17
